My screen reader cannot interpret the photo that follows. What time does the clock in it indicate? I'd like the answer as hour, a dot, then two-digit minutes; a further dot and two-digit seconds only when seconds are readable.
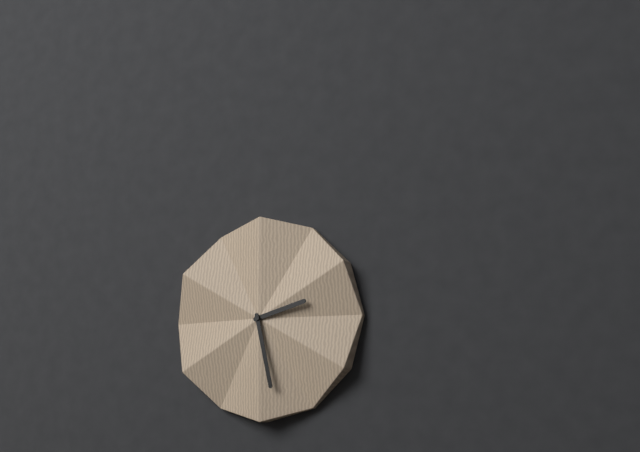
2.28
